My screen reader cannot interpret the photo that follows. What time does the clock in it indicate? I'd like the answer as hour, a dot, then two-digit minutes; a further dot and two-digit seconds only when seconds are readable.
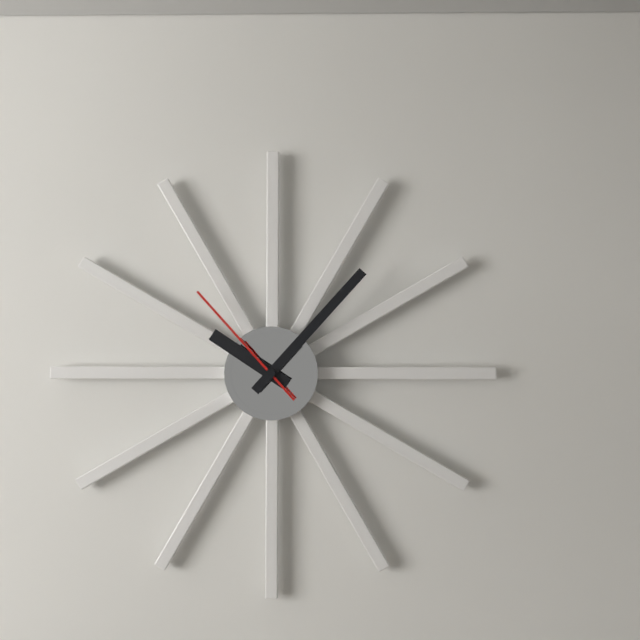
10.07.53
